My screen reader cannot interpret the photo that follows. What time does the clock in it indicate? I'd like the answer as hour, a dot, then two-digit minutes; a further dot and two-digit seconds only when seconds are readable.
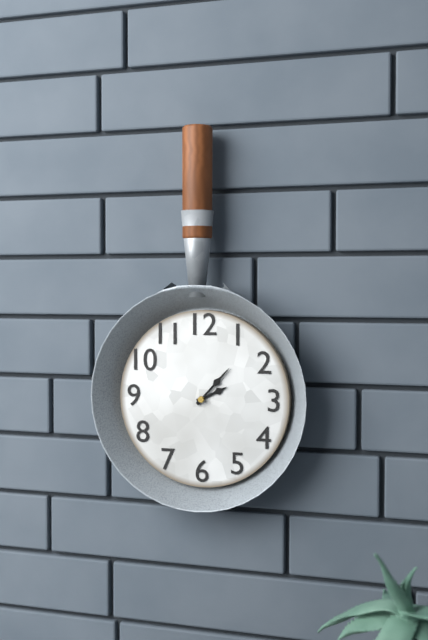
2.07
